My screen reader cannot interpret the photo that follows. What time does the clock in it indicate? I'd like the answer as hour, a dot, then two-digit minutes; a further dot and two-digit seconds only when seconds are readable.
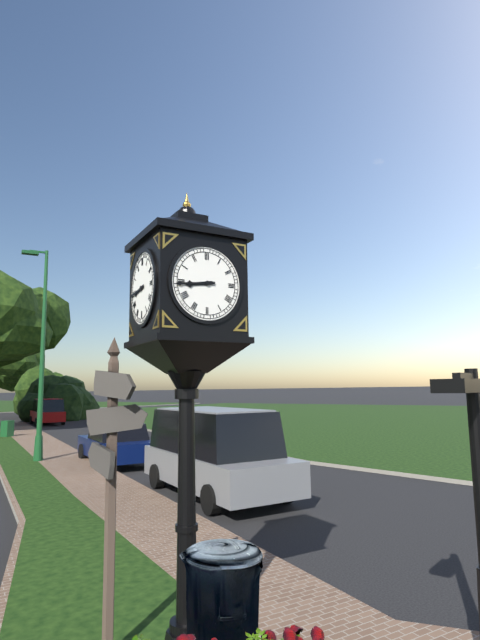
8.44
